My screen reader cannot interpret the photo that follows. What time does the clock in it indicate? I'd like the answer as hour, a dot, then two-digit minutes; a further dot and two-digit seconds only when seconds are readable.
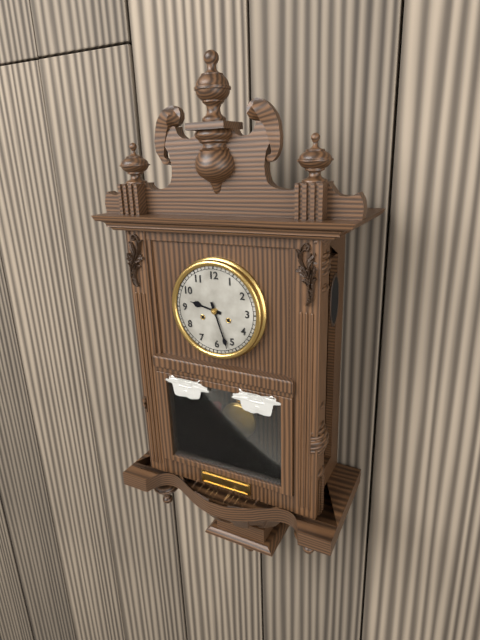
9.27
